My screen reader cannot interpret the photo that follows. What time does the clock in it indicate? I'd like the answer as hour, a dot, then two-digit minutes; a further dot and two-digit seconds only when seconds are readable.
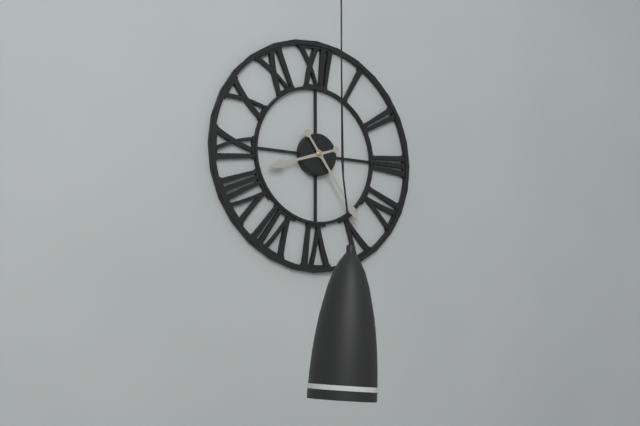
8.24
